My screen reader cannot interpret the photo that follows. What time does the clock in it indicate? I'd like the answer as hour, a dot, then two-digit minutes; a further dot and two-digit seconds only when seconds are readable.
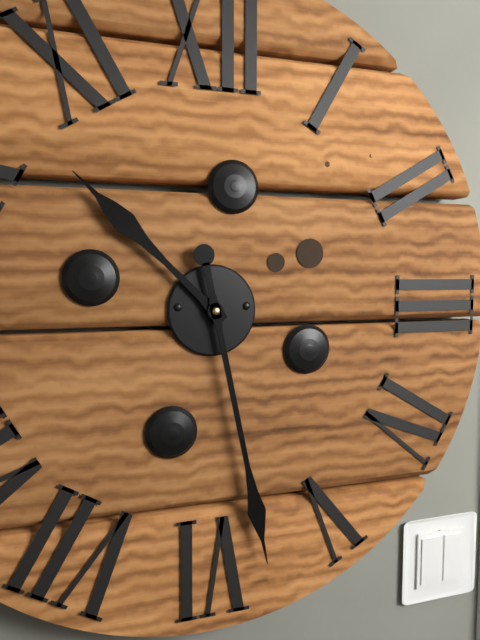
10.28
